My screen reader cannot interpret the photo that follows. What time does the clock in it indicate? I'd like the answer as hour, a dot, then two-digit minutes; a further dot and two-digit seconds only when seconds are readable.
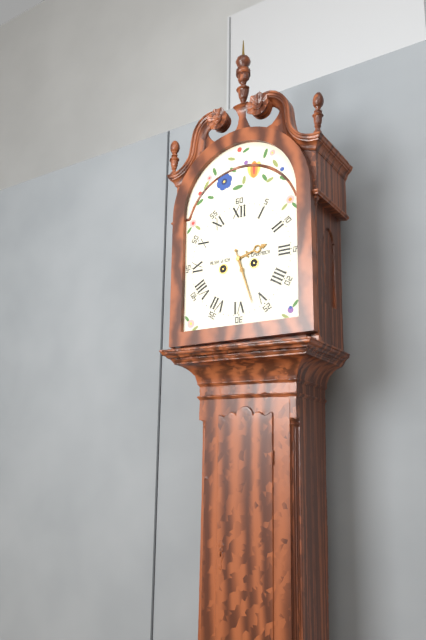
2.27
